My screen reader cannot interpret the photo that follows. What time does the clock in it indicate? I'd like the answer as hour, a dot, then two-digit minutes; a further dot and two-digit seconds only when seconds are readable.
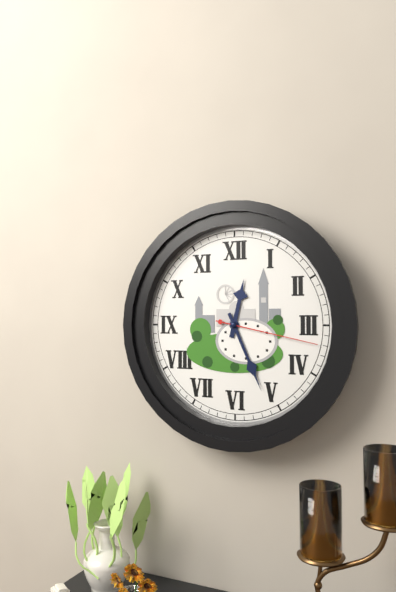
12.26.17
